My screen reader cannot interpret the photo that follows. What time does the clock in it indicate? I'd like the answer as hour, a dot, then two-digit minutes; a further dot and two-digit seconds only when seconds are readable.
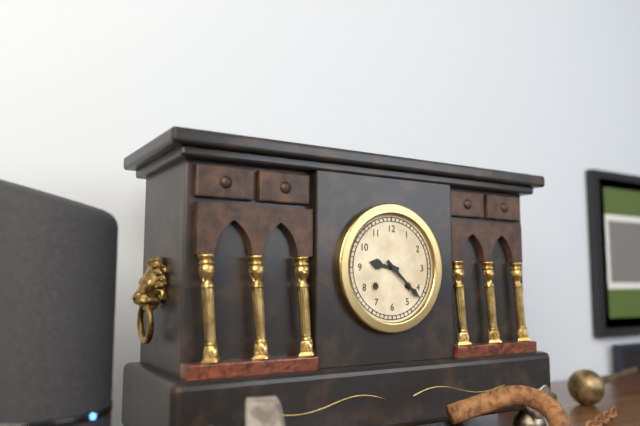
9.22
